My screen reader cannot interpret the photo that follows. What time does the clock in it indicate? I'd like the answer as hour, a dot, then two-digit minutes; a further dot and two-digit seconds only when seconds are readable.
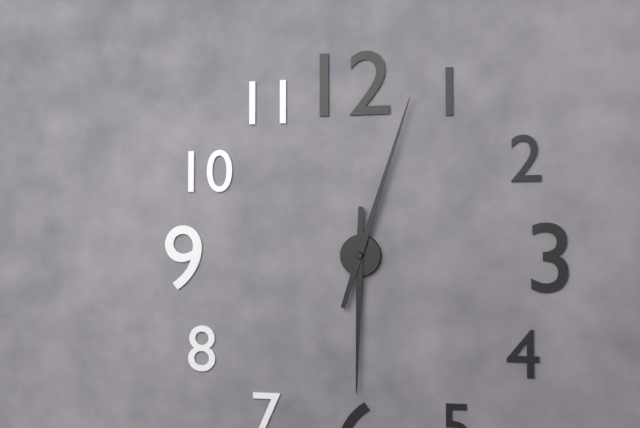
6.03
